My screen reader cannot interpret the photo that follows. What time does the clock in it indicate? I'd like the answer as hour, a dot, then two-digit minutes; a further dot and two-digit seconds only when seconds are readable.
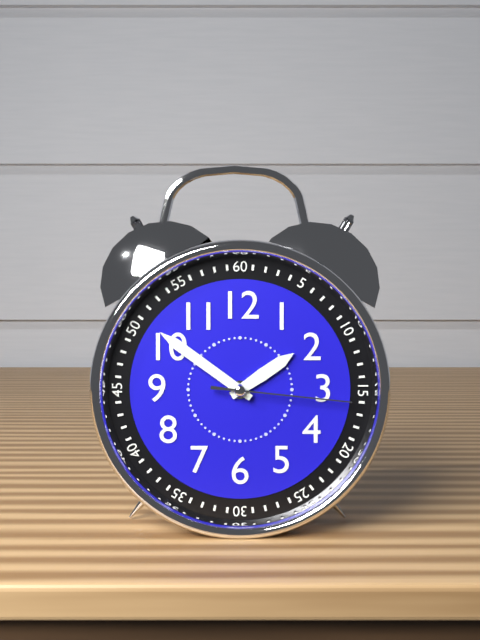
1.51.16
